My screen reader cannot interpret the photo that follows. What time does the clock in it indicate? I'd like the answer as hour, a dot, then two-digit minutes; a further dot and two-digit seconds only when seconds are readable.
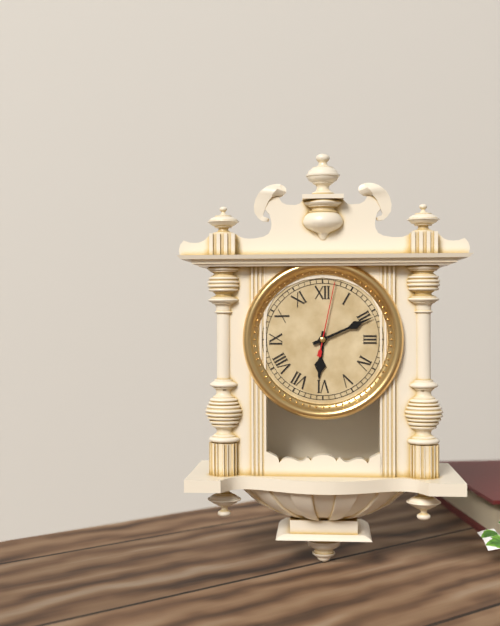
6.11.02
